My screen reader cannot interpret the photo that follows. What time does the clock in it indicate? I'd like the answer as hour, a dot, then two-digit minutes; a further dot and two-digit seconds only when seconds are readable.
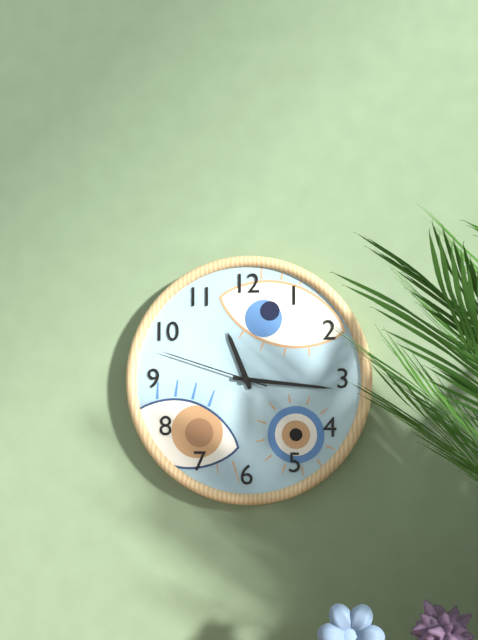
11.16.48
